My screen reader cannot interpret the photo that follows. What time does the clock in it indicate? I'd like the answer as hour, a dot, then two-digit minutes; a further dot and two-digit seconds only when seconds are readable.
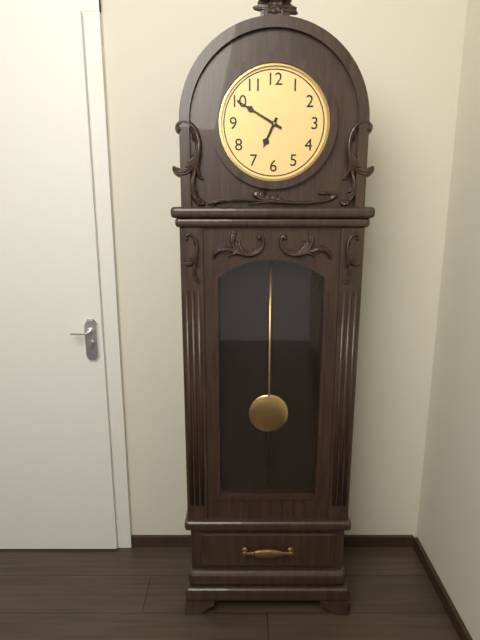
6.50
